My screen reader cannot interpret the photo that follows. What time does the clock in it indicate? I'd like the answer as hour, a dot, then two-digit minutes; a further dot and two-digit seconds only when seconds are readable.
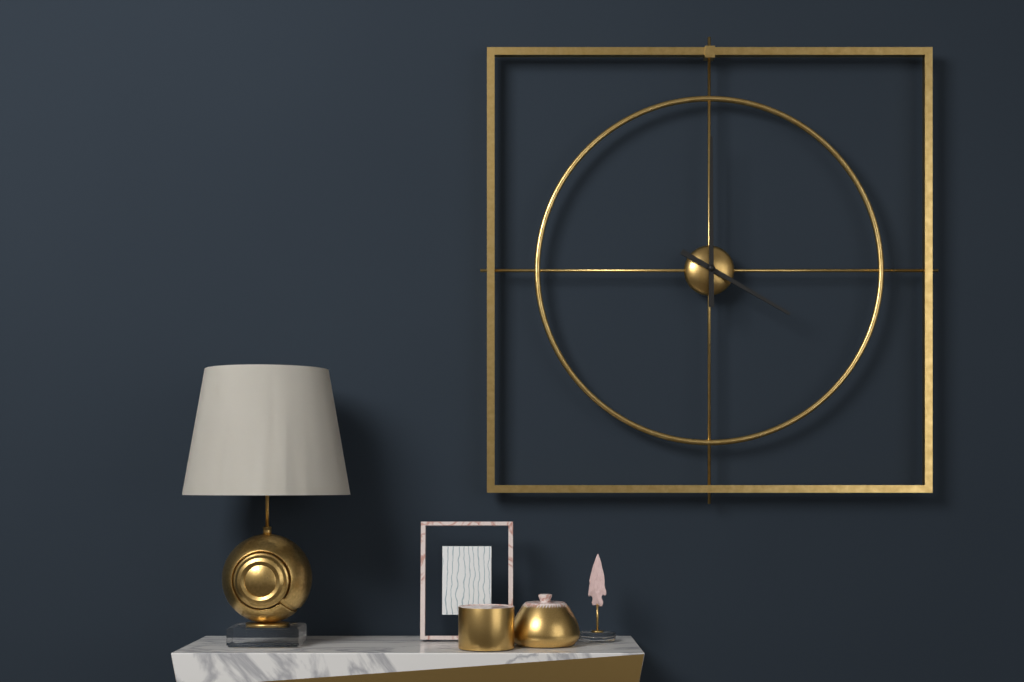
4.00
